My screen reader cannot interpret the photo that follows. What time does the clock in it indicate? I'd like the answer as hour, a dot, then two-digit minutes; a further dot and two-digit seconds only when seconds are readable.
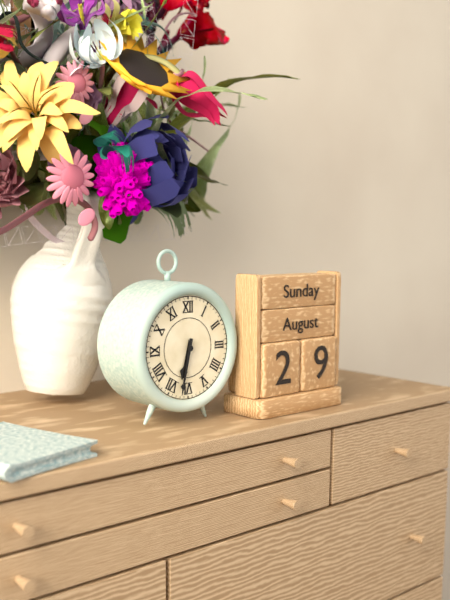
6.32
